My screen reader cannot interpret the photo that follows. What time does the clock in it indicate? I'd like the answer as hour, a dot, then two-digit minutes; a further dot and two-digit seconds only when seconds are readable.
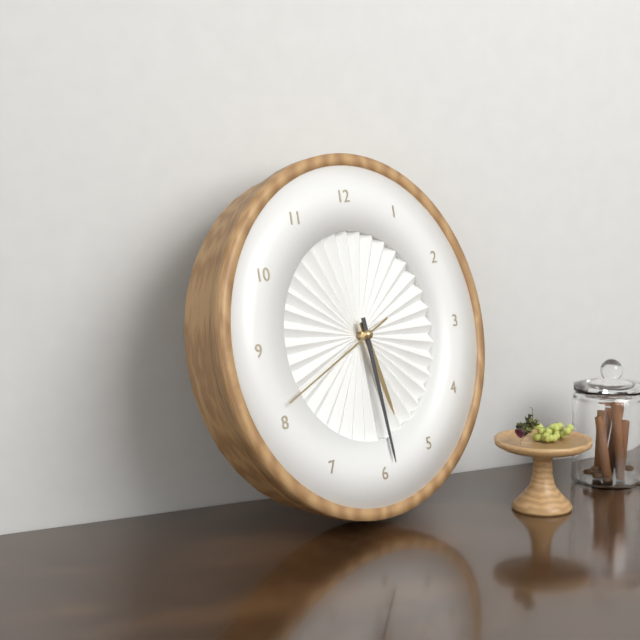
5.29.41
